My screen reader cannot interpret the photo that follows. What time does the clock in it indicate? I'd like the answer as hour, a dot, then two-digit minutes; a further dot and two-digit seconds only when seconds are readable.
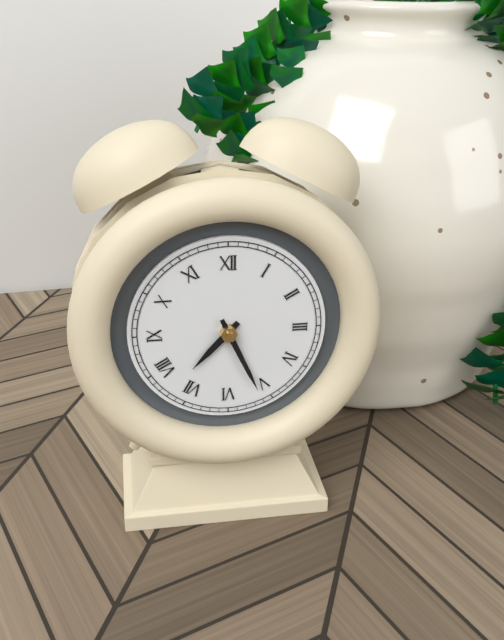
7.26
